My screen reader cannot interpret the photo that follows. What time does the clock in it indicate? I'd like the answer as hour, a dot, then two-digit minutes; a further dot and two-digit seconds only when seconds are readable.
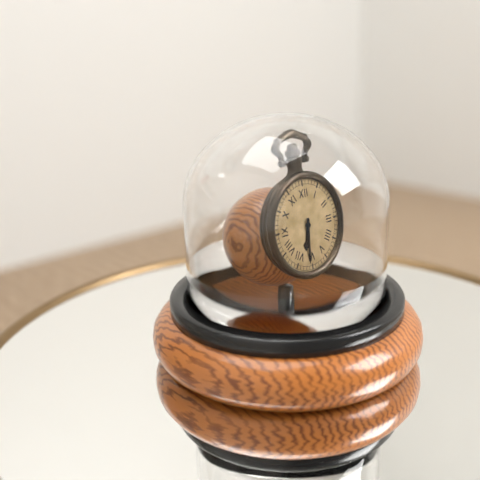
6.31
